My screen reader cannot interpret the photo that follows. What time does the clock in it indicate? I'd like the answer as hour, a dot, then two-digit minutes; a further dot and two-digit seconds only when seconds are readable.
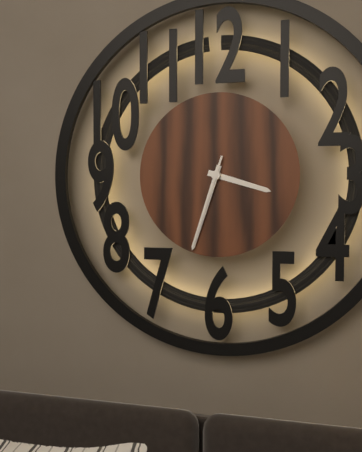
3.33.33
